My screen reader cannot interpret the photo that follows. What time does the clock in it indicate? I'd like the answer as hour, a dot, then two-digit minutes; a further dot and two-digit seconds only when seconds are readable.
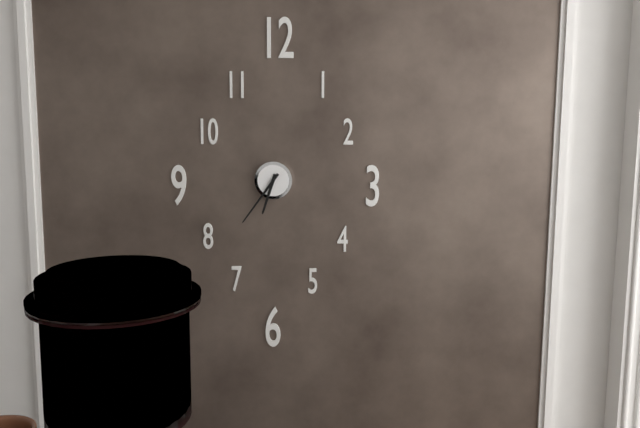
6.36
